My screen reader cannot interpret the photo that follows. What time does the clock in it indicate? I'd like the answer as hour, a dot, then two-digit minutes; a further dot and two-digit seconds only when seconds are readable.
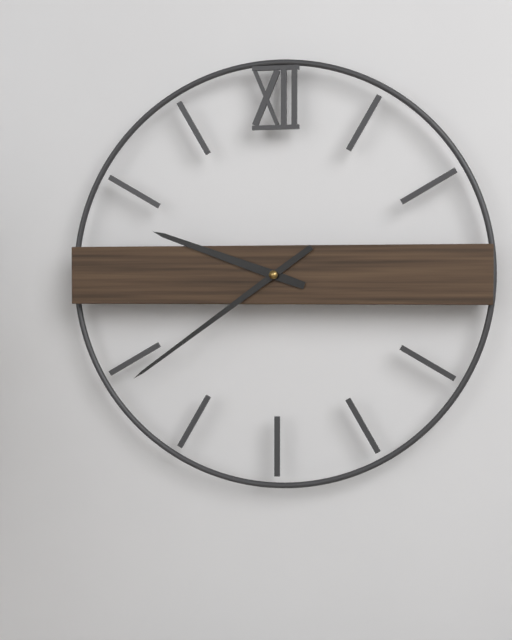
9.39
